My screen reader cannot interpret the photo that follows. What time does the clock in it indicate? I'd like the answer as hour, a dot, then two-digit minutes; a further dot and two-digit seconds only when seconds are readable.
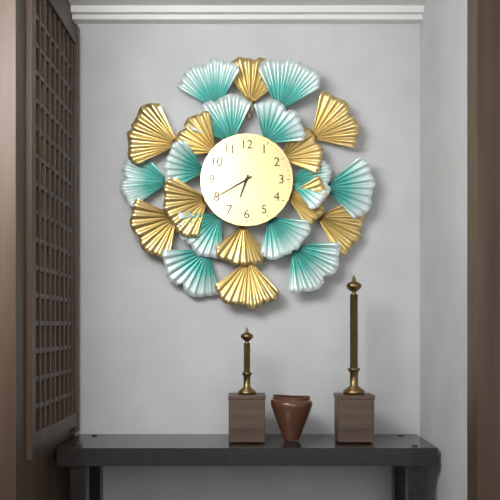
6.40
